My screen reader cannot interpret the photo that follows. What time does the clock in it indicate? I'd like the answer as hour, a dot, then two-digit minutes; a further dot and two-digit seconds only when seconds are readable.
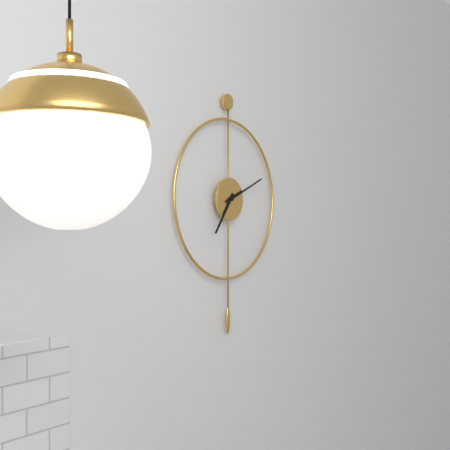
7.11
